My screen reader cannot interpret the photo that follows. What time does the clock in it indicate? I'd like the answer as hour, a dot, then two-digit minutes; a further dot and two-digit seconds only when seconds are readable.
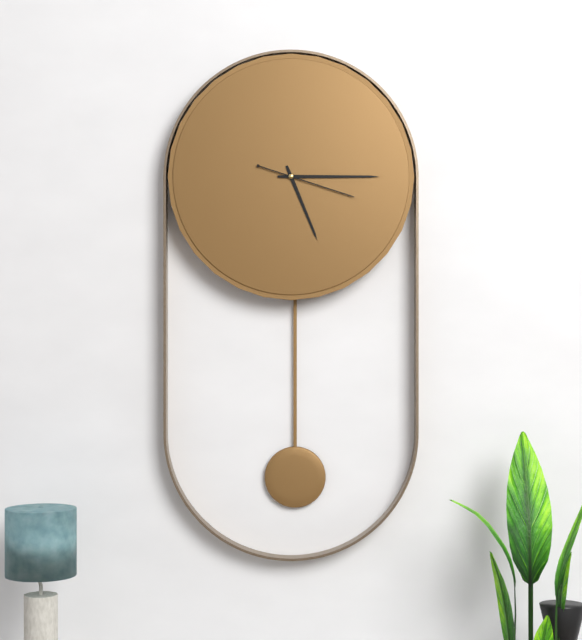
5.15.18
